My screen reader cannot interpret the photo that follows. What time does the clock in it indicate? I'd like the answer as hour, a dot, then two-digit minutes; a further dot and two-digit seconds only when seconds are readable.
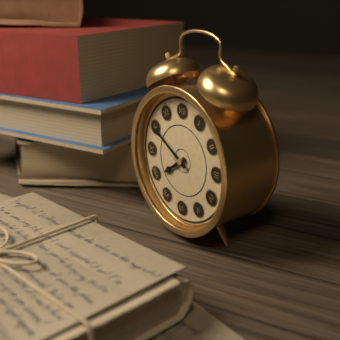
7.50
